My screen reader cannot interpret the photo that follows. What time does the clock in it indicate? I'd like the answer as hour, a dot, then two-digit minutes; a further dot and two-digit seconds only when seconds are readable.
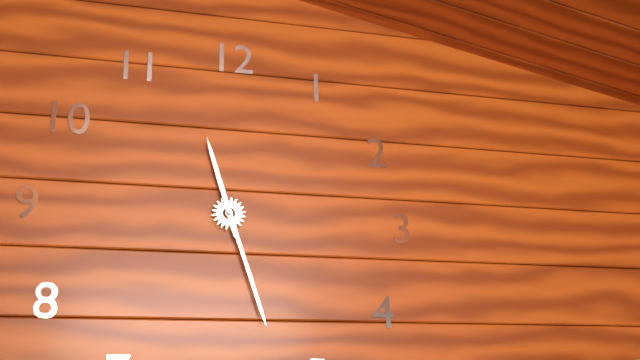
11.27
